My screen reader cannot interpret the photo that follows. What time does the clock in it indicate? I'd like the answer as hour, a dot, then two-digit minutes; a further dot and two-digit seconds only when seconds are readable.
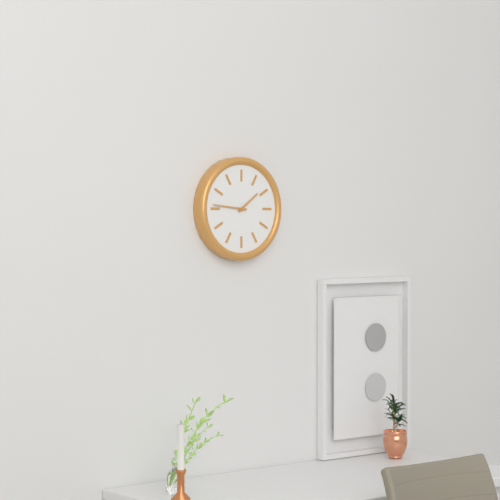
1.46
